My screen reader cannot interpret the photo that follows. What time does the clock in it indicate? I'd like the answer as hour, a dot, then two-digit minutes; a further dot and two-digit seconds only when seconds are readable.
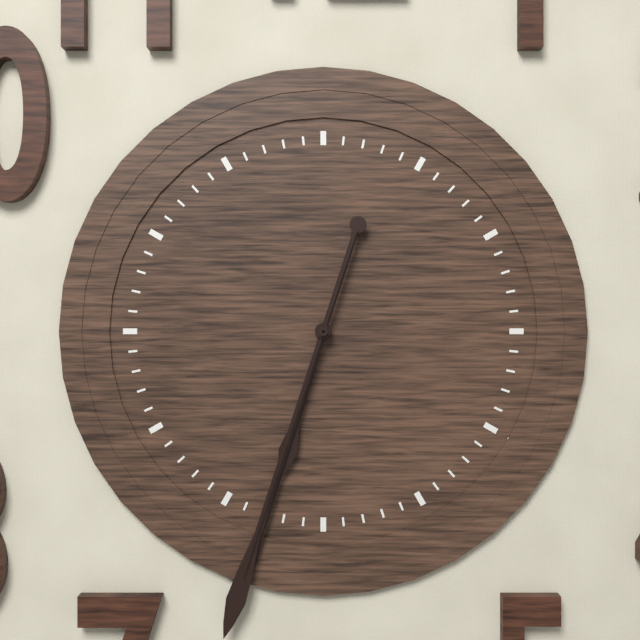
6.33.33
